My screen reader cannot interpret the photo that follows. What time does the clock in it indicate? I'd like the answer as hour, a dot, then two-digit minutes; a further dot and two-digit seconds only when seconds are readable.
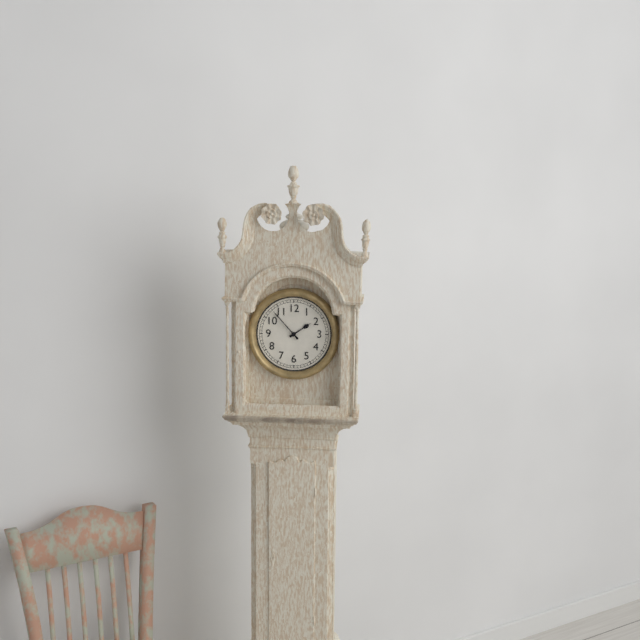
1.53
